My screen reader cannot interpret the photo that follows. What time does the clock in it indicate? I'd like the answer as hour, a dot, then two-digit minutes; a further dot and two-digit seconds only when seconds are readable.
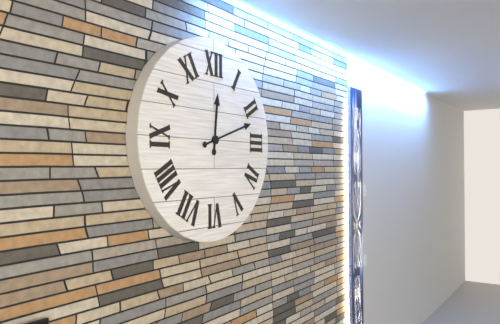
12.12
